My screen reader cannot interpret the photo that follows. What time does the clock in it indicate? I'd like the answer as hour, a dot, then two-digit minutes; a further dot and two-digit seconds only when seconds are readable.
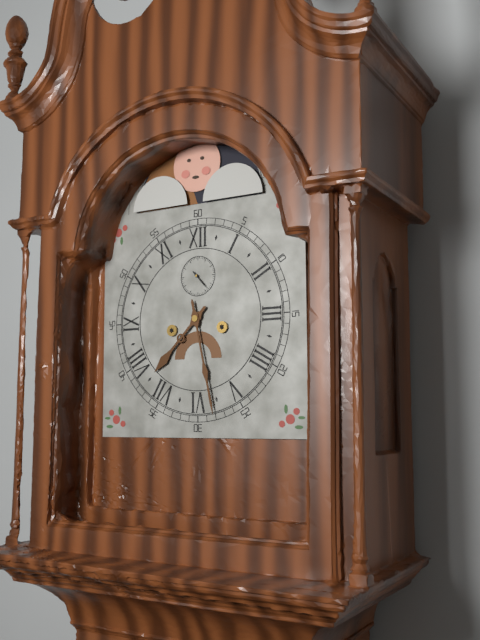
7.28
